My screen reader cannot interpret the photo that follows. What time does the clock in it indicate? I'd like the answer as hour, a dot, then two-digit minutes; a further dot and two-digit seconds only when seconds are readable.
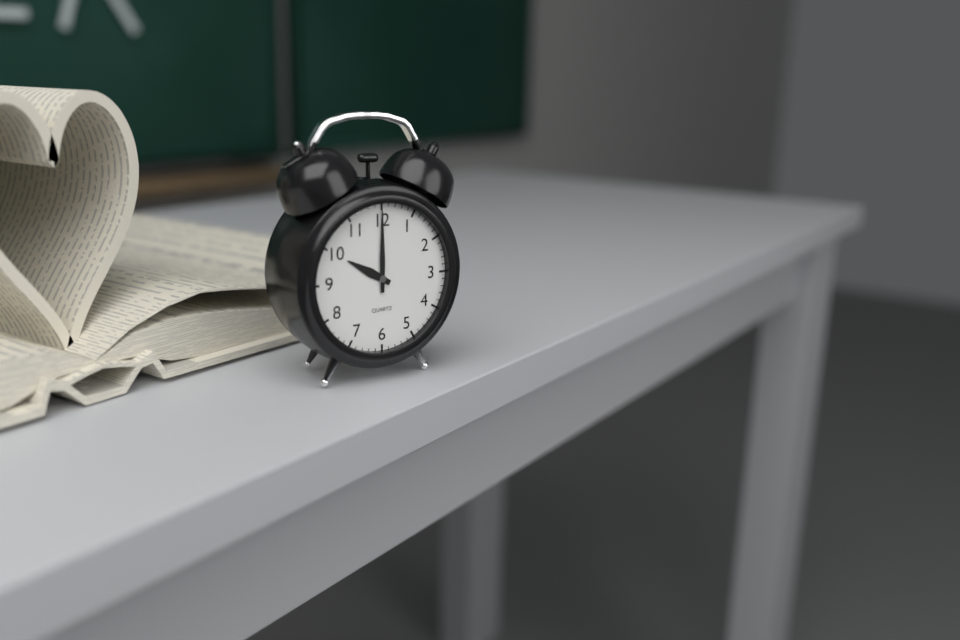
10.00
